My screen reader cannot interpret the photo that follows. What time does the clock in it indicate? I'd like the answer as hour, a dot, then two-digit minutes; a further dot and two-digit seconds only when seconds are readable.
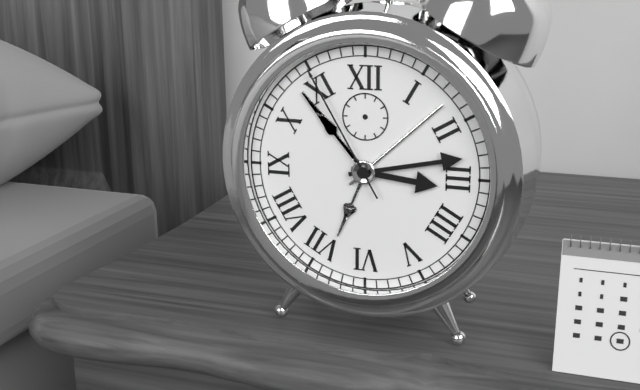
3.13.55
